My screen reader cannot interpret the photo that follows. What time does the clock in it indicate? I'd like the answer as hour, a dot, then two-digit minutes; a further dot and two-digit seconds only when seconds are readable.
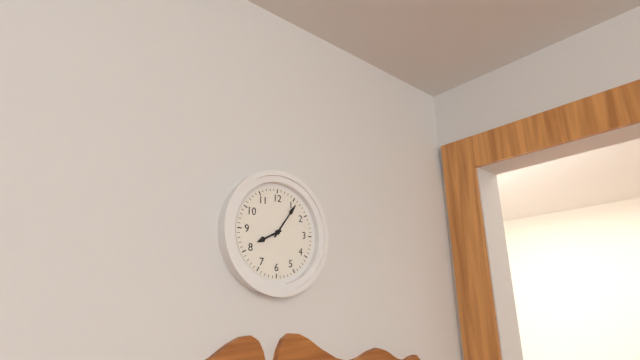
8.06
